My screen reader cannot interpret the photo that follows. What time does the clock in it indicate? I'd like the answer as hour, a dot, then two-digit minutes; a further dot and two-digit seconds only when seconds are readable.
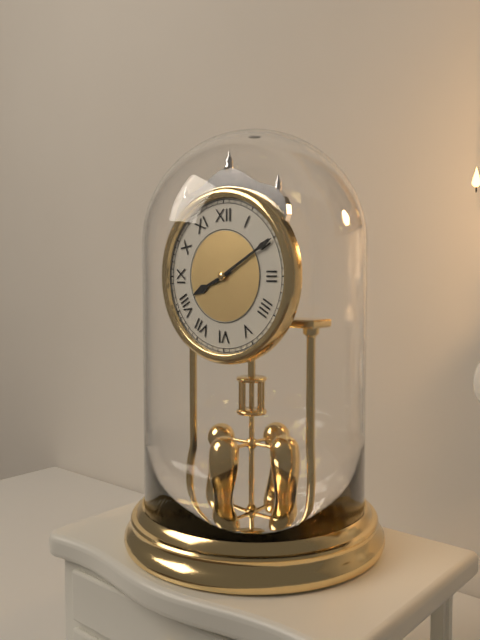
8.10
